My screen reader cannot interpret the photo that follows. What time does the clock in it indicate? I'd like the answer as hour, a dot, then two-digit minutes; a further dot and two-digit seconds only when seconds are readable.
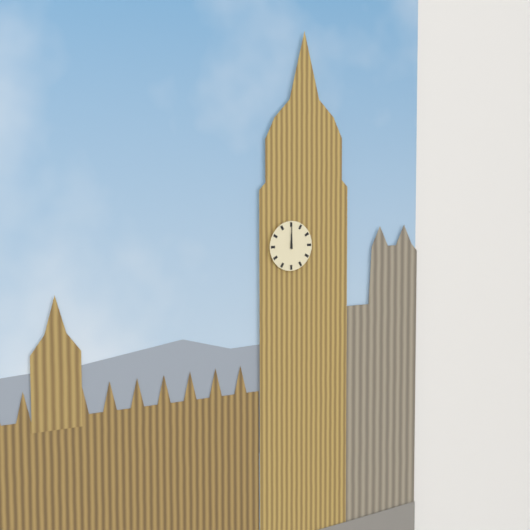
12.00
